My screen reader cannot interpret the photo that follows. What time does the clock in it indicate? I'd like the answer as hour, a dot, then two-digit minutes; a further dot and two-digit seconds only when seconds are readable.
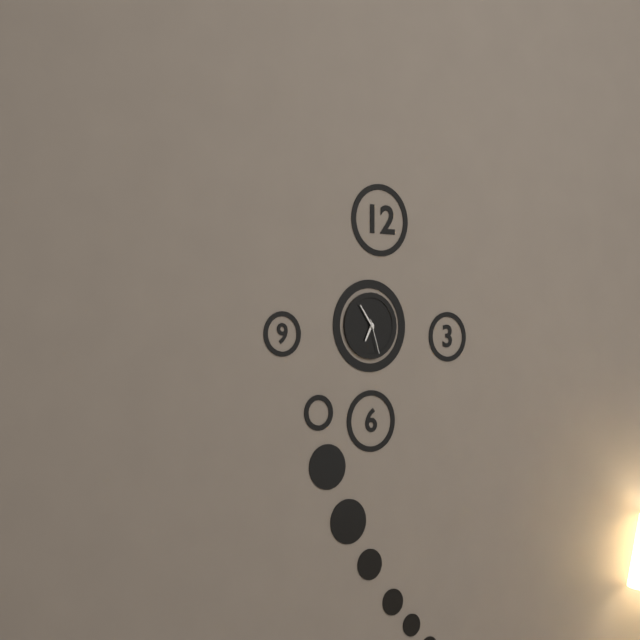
6.54
